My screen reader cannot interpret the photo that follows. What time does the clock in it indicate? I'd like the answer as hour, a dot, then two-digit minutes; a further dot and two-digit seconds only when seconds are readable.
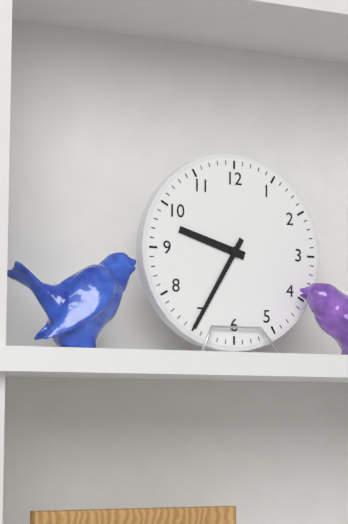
9.35
